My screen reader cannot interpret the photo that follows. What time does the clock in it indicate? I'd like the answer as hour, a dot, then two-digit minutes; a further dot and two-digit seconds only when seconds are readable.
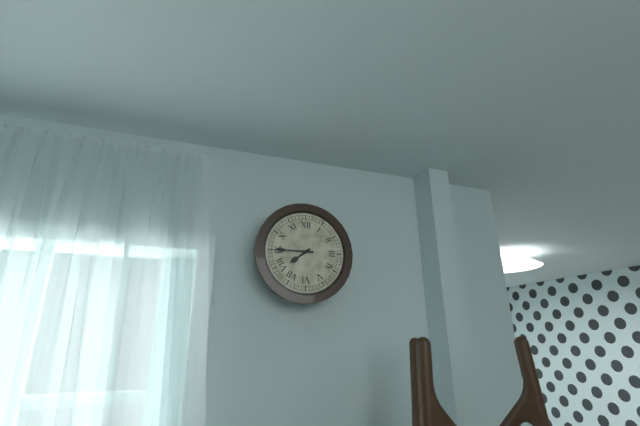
7.45
